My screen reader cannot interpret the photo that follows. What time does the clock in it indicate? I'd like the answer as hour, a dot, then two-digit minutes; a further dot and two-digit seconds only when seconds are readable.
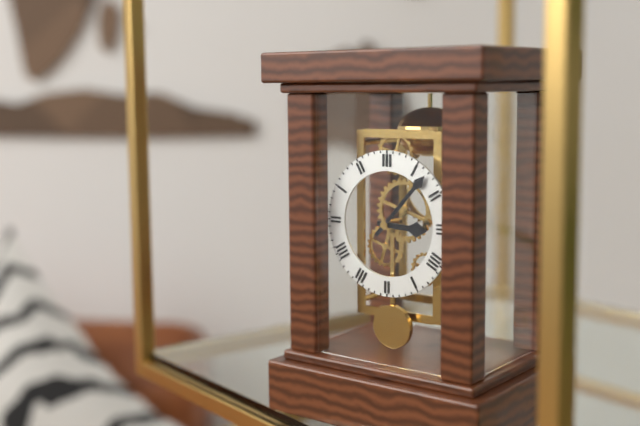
3.07
